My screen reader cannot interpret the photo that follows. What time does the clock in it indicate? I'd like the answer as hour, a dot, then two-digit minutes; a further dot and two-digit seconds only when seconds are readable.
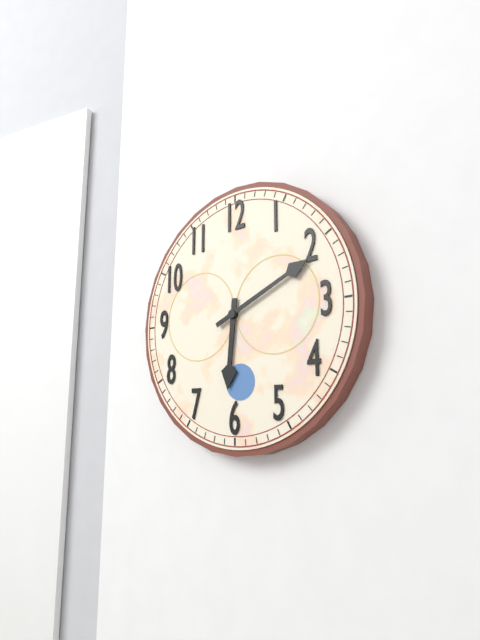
6.11
